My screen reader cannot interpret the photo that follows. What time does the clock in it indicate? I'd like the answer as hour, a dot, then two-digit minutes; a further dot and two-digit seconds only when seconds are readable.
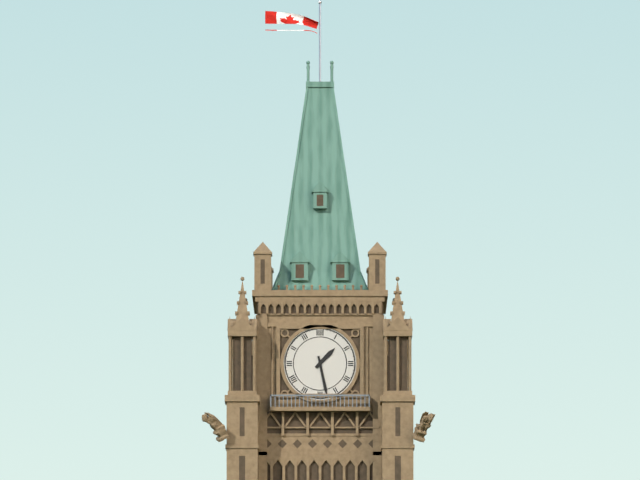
1.28
